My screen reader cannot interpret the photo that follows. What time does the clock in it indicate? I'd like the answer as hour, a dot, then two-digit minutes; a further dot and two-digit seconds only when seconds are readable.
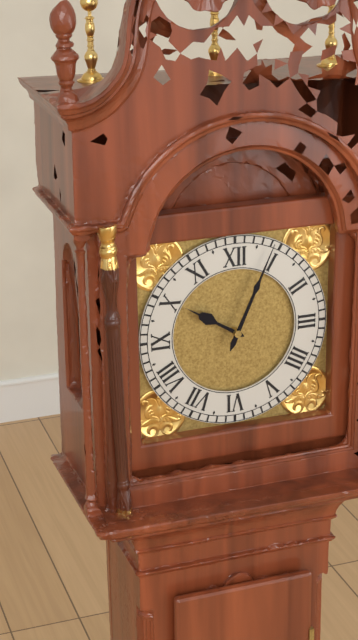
10.04
